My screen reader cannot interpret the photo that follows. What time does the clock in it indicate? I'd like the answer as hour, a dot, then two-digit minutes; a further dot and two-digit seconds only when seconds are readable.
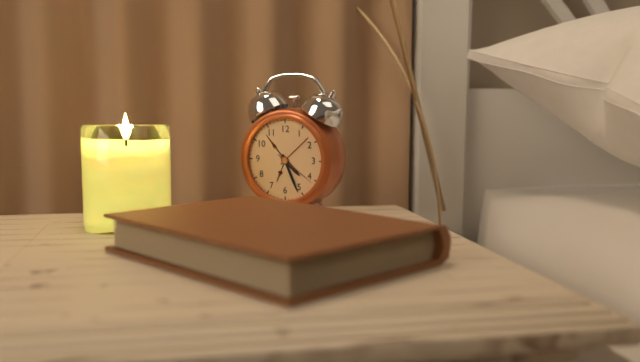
4.26
